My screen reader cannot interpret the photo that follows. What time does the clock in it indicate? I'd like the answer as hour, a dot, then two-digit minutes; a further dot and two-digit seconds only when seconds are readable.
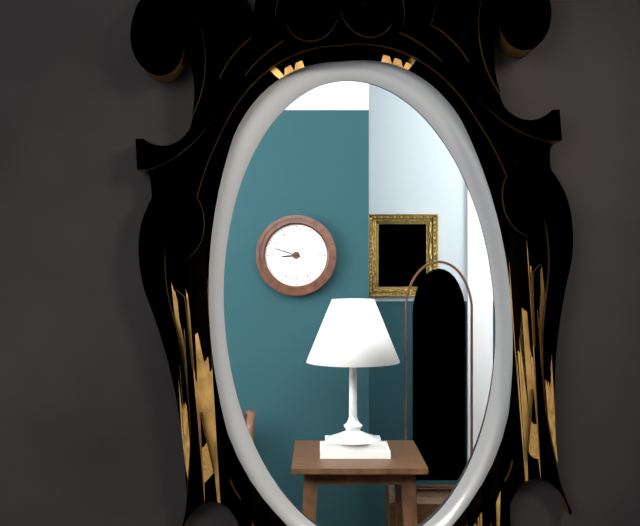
8.48
